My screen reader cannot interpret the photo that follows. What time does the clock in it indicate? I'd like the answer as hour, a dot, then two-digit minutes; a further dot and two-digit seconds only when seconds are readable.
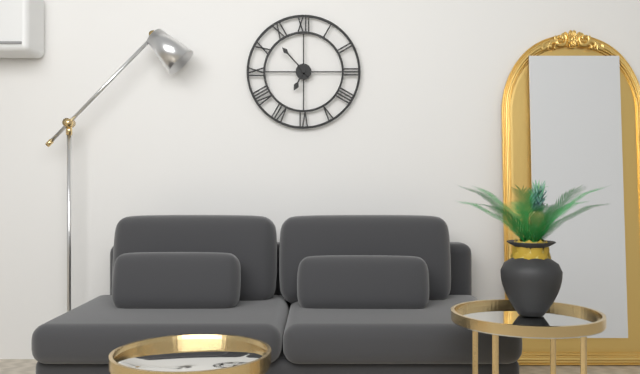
6.53
